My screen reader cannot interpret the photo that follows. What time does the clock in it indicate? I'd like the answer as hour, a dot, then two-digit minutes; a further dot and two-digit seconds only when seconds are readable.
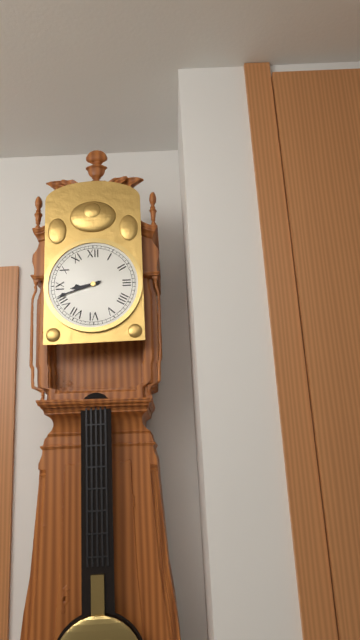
8.42
